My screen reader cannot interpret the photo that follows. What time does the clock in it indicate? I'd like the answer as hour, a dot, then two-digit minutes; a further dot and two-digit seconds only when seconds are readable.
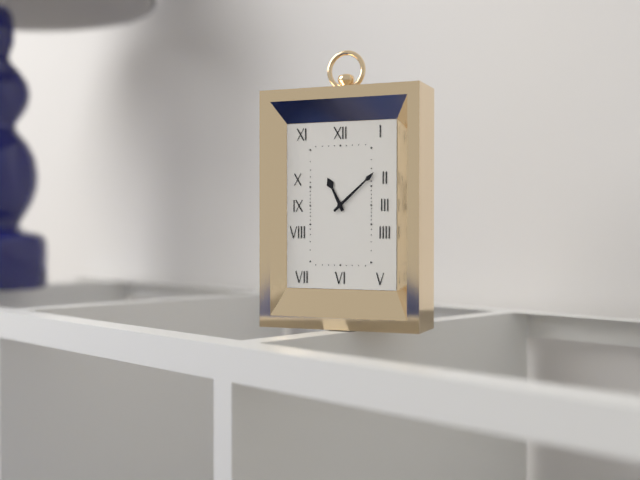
11.08
